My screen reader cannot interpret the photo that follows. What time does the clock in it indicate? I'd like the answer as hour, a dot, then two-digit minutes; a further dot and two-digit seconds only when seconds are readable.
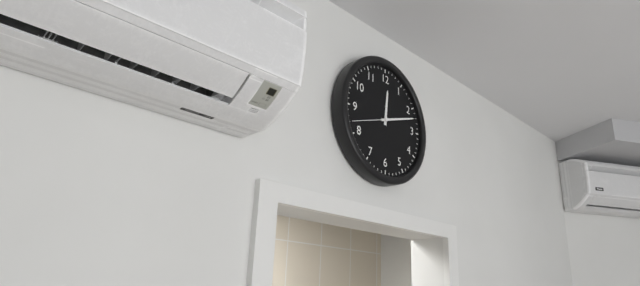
12.12
